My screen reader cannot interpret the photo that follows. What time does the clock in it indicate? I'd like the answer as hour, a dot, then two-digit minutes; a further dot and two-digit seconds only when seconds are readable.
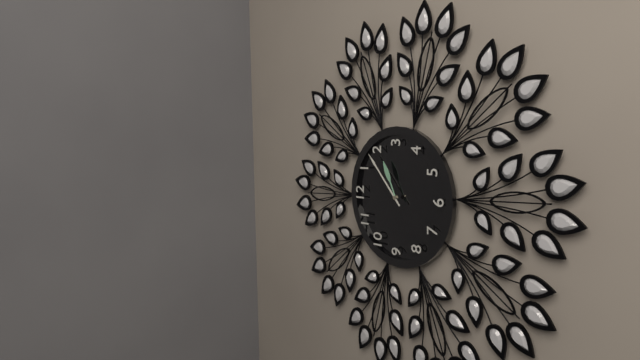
2.08
